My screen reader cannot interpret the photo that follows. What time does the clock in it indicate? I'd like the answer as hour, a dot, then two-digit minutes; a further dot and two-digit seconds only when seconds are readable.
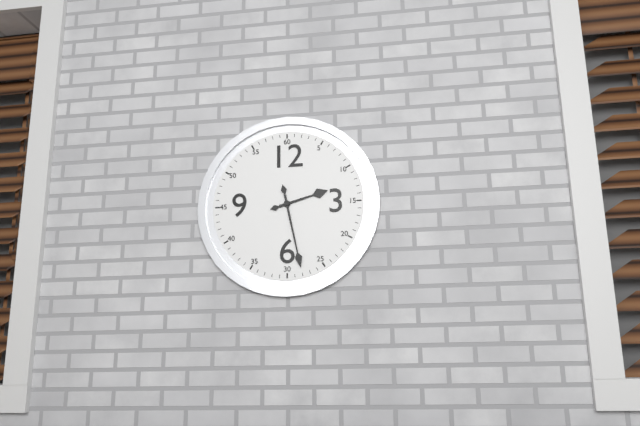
2.28
